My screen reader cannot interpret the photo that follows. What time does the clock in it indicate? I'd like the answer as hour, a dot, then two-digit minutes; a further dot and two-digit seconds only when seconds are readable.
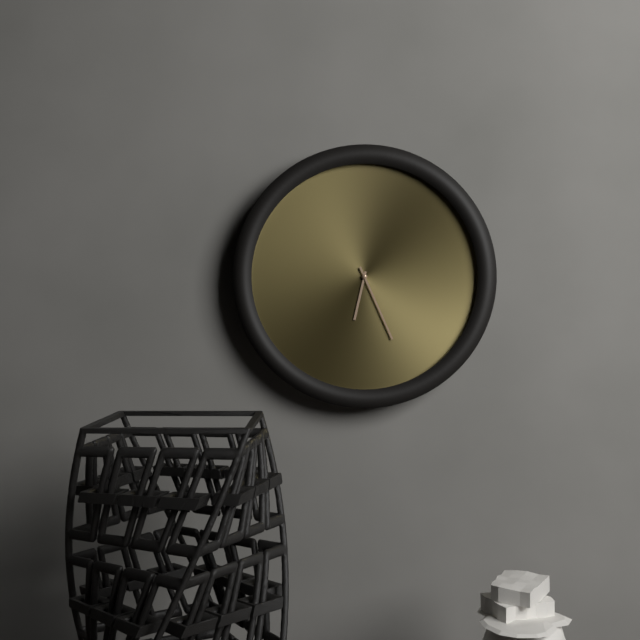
6.26
